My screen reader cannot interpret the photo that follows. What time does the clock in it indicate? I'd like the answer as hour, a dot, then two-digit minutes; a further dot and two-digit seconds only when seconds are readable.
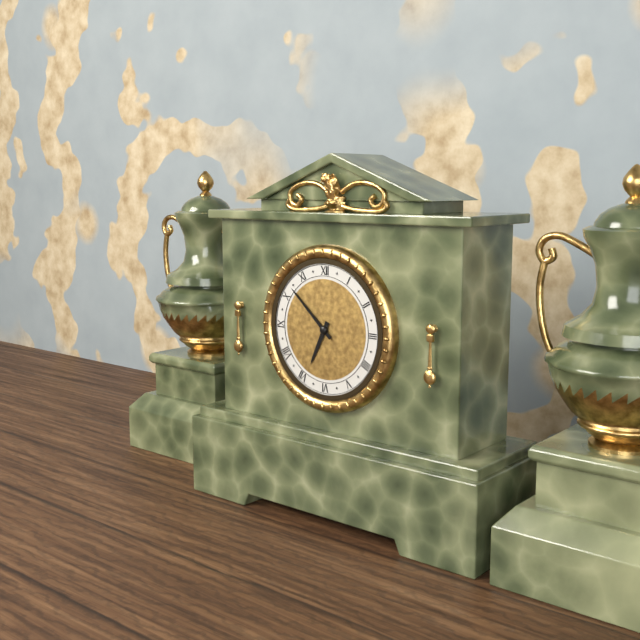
6.52
